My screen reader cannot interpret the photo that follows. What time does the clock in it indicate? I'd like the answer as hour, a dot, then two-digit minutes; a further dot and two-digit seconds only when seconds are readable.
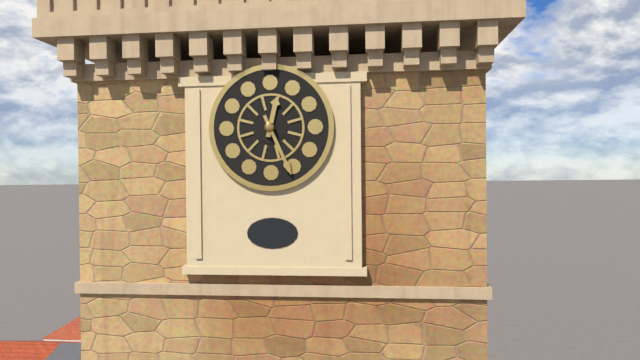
12.26
